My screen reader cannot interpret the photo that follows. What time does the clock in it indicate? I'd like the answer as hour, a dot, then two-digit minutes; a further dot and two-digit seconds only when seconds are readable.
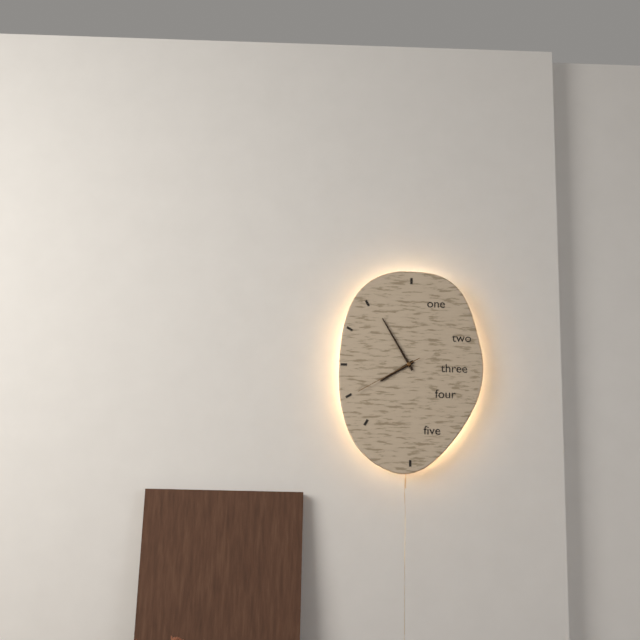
7.55.40
